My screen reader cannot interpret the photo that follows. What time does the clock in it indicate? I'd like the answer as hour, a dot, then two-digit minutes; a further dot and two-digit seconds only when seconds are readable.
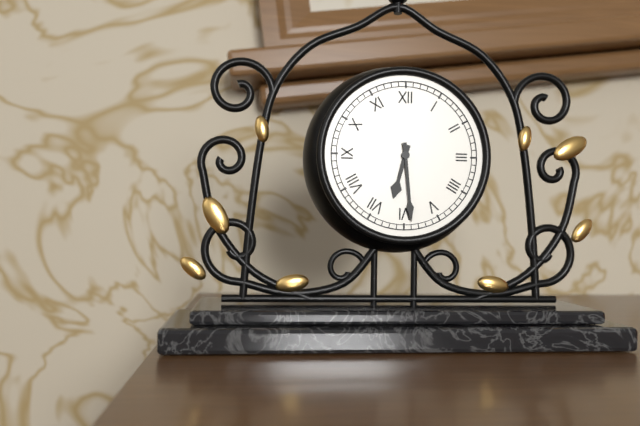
6.29
